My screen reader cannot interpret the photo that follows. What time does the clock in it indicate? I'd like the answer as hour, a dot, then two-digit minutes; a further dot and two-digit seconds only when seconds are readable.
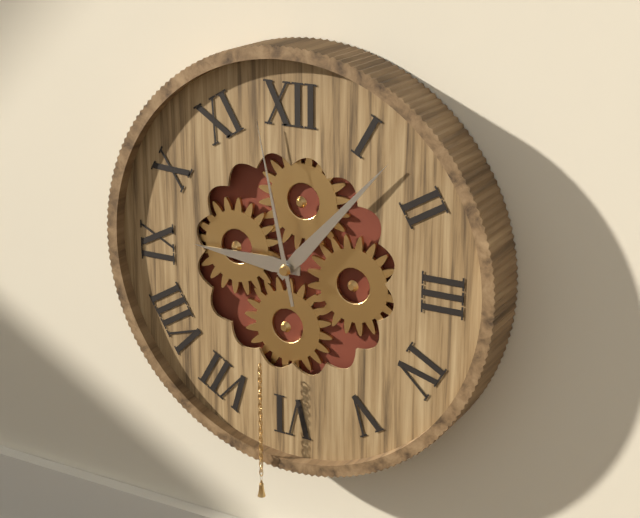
9.07.58
